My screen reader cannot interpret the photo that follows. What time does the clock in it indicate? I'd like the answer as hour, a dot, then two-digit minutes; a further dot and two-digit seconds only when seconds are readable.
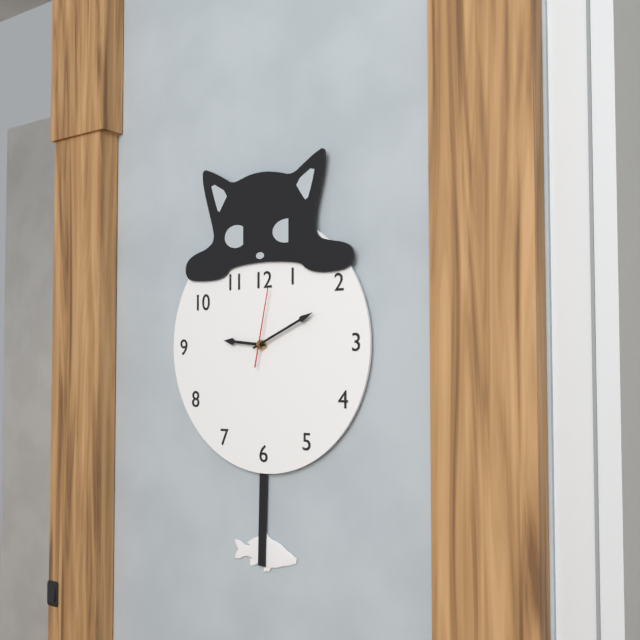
9.11.02
